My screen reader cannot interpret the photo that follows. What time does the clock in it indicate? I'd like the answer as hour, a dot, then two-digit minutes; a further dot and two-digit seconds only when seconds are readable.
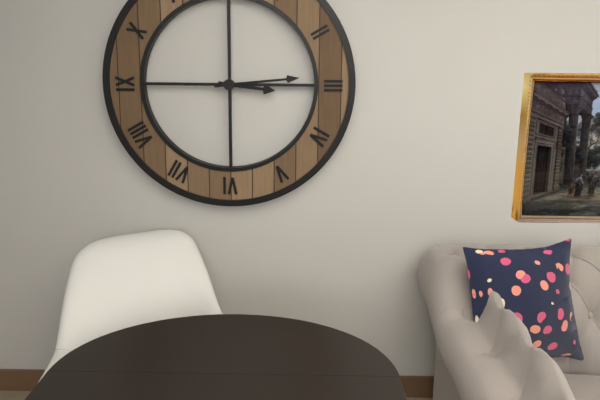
3.14
